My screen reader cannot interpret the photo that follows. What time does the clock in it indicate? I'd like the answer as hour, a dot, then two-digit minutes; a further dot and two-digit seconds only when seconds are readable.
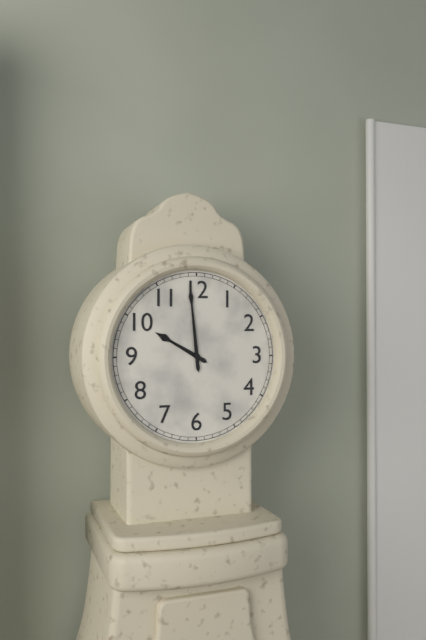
9.59
